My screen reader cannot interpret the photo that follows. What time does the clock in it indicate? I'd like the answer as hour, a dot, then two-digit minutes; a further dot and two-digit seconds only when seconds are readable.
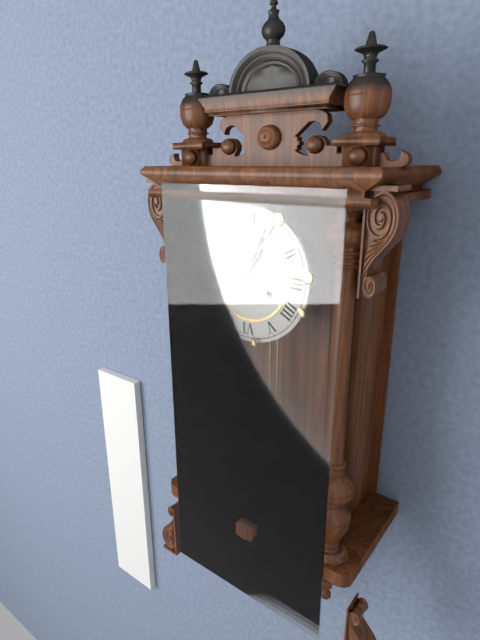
1.04
